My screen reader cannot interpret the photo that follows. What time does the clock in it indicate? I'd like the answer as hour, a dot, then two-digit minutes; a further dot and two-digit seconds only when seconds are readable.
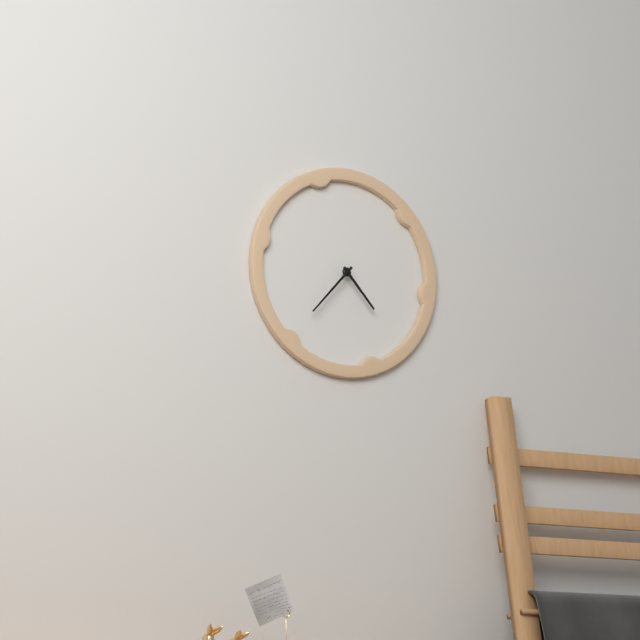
4.37
